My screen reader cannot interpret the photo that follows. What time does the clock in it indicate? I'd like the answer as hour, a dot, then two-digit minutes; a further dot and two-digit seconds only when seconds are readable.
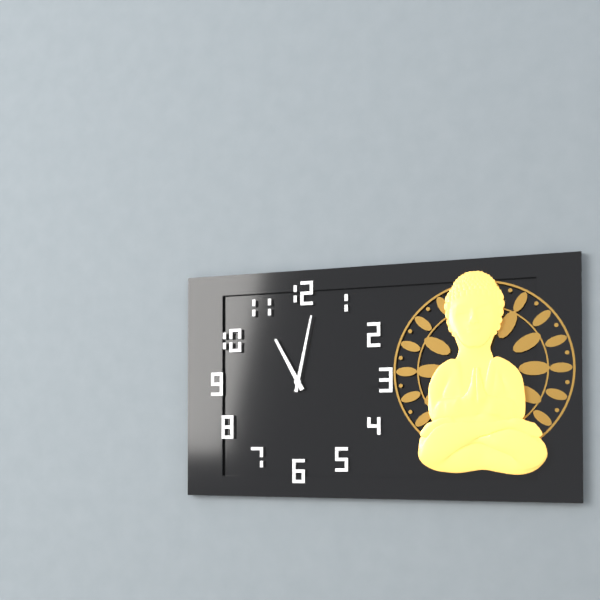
11.02
